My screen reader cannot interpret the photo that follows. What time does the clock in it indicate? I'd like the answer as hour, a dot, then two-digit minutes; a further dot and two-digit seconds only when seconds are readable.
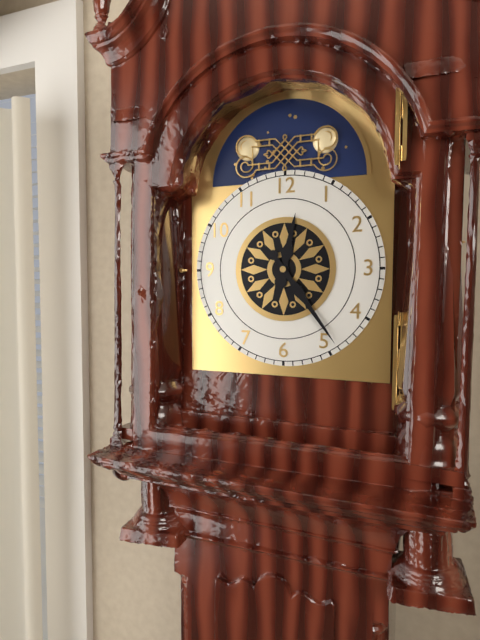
12.24
